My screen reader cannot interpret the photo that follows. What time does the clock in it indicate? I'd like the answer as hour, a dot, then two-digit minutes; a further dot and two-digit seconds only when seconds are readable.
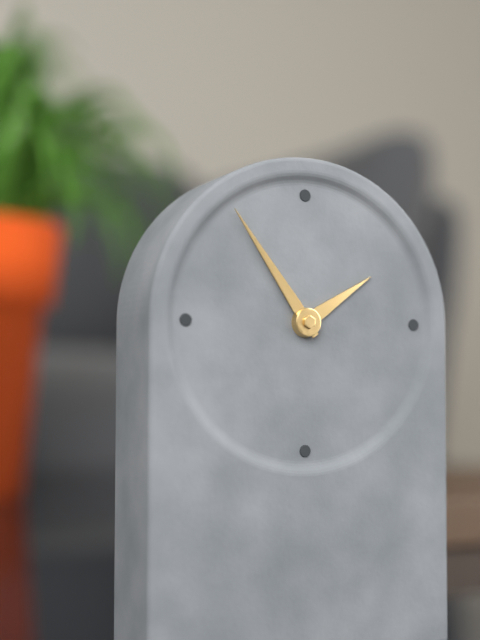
1.54
